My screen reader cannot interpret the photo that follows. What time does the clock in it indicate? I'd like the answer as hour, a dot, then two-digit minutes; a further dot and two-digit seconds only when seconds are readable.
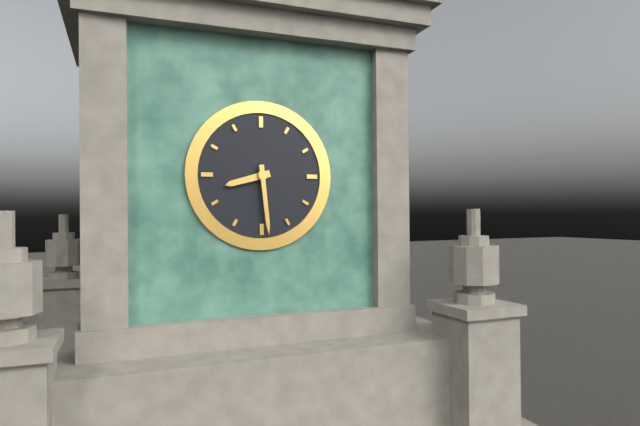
8.29
